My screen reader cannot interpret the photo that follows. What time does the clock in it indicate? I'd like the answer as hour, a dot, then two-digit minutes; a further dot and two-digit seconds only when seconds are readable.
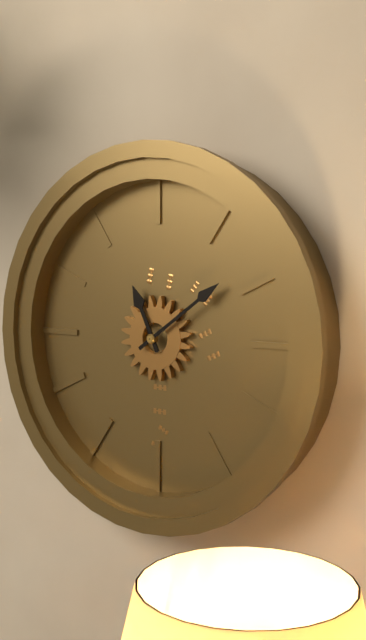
11.09
